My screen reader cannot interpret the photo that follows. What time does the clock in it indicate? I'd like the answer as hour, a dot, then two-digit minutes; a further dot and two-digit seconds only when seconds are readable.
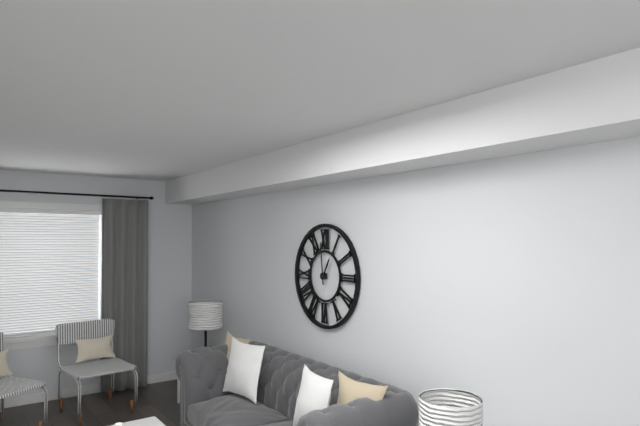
12.59
